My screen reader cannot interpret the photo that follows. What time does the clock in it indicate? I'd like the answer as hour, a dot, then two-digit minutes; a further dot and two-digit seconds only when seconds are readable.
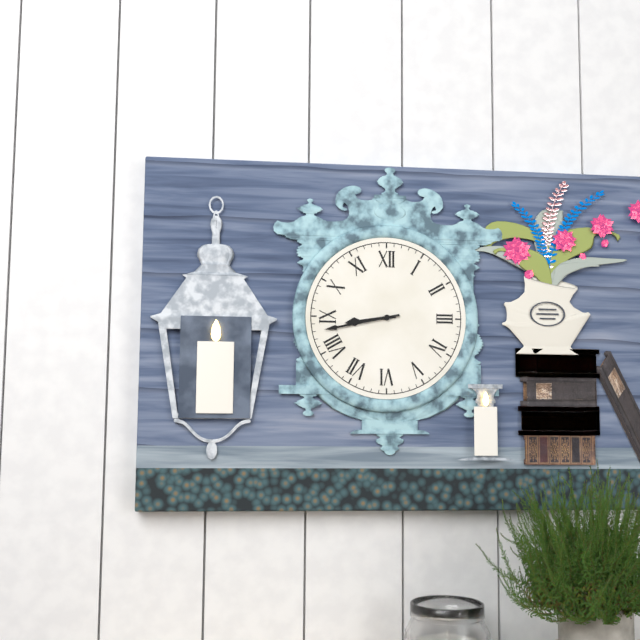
8.43
